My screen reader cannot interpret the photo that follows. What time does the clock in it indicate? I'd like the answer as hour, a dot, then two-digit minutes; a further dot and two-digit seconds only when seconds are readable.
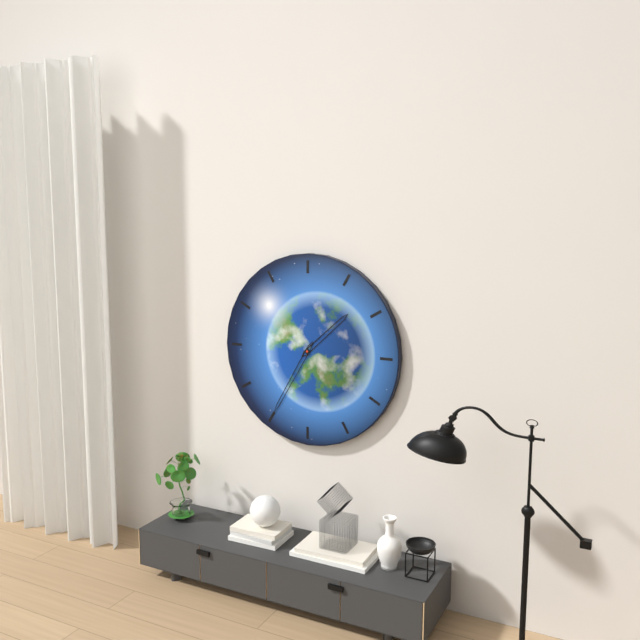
1.35
